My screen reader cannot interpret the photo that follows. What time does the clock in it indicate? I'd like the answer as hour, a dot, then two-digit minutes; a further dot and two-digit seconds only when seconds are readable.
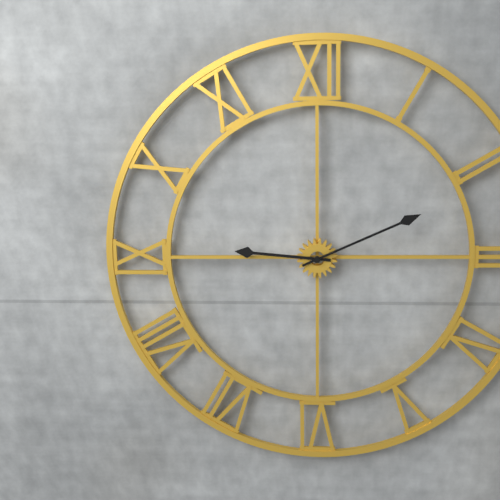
9.11
